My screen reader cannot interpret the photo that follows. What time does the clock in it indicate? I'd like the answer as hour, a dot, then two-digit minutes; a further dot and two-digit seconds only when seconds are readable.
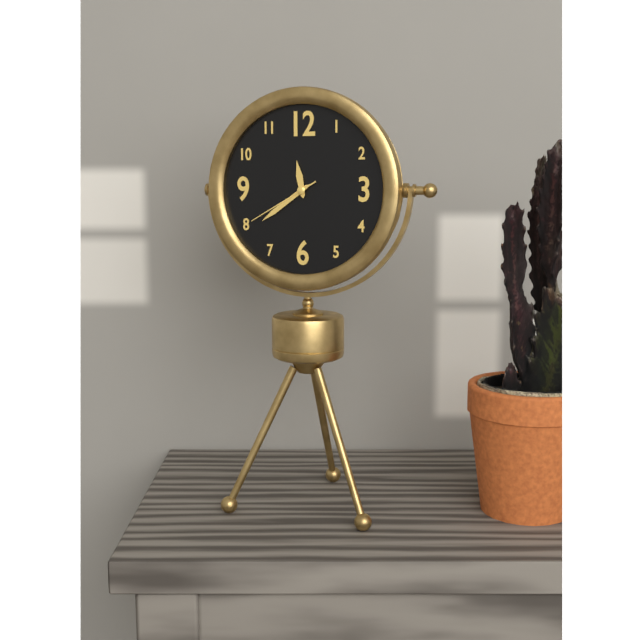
11.39.40
